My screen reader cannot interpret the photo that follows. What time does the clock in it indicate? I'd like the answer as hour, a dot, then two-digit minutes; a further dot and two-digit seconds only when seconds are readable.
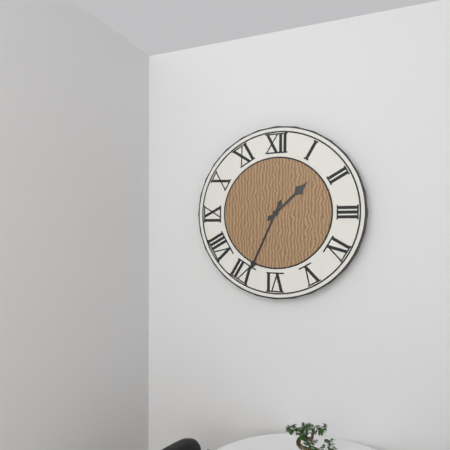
1.34
